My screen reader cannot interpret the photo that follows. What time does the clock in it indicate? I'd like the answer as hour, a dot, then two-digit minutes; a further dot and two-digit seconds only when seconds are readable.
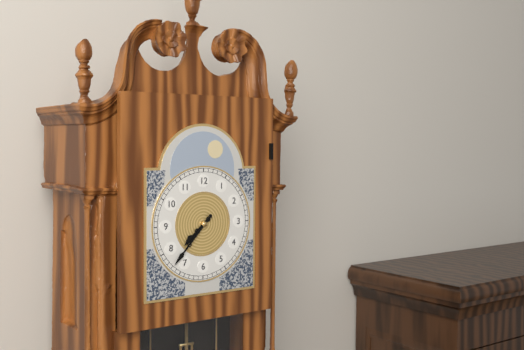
7.37
